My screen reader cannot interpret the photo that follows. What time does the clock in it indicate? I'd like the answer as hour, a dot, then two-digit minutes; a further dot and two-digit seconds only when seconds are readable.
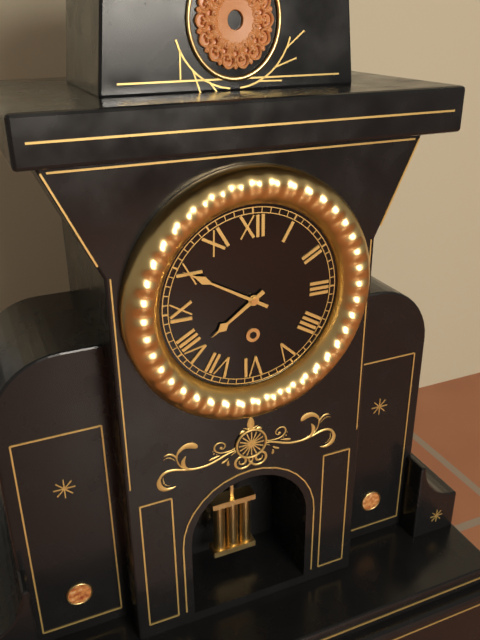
7.50
